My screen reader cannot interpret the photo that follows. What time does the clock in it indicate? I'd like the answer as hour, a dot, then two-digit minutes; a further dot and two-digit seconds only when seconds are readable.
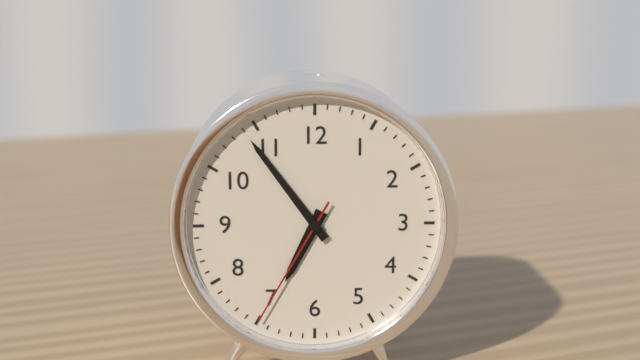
6.54.35
